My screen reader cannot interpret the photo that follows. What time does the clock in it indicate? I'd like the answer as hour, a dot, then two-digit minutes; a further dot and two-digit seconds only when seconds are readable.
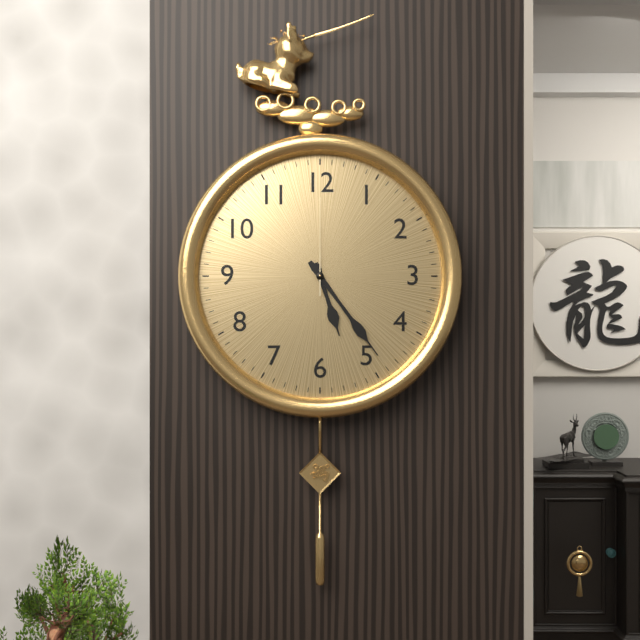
5.24.00
